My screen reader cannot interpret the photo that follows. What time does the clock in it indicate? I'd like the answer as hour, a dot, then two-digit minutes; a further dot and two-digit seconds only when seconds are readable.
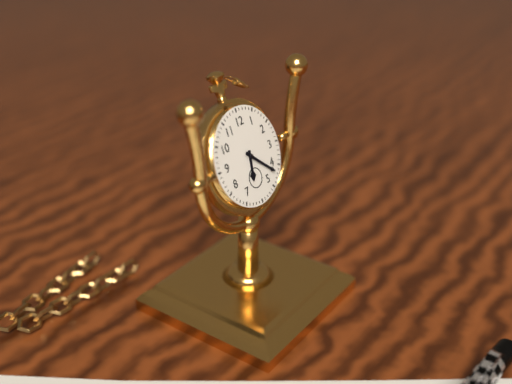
6.22
